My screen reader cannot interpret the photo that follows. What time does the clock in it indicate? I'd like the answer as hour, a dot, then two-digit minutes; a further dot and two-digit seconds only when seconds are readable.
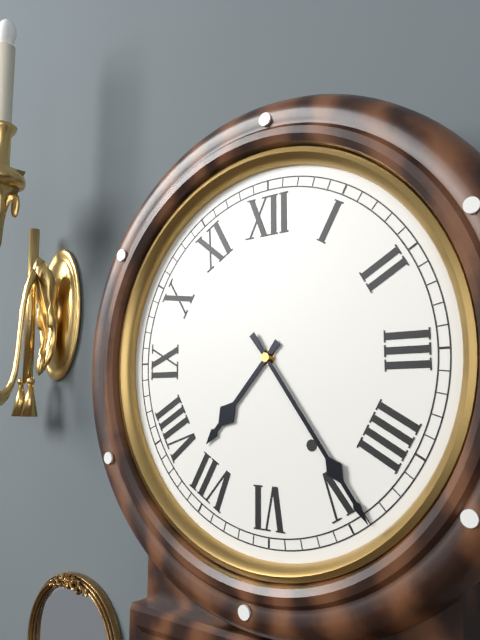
7.24
